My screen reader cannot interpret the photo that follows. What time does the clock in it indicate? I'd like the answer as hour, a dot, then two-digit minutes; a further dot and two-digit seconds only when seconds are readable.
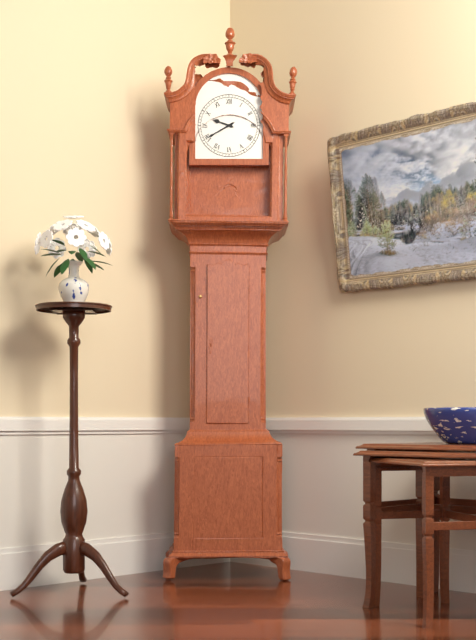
9.40
